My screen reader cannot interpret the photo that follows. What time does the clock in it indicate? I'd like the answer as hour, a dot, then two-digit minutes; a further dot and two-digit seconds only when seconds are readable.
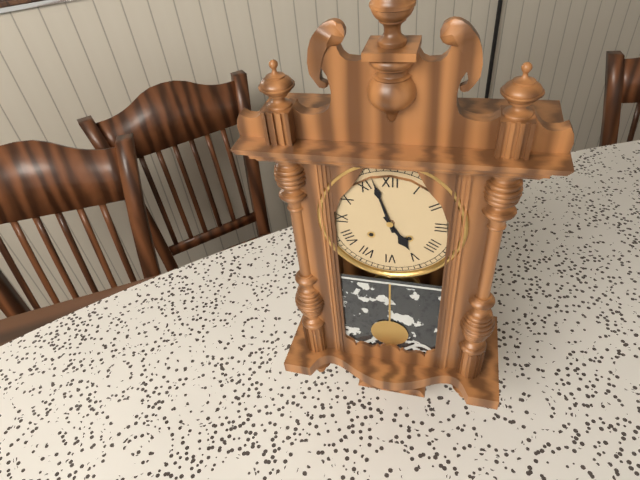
4.57
